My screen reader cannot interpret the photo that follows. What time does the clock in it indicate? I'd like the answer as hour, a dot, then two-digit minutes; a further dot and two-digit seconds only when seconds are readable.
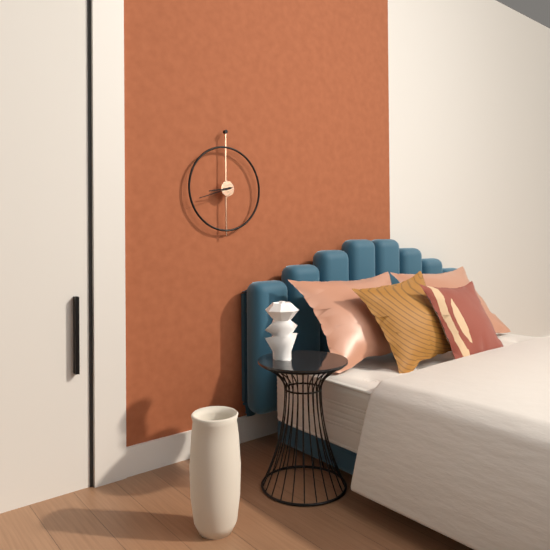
8.42
